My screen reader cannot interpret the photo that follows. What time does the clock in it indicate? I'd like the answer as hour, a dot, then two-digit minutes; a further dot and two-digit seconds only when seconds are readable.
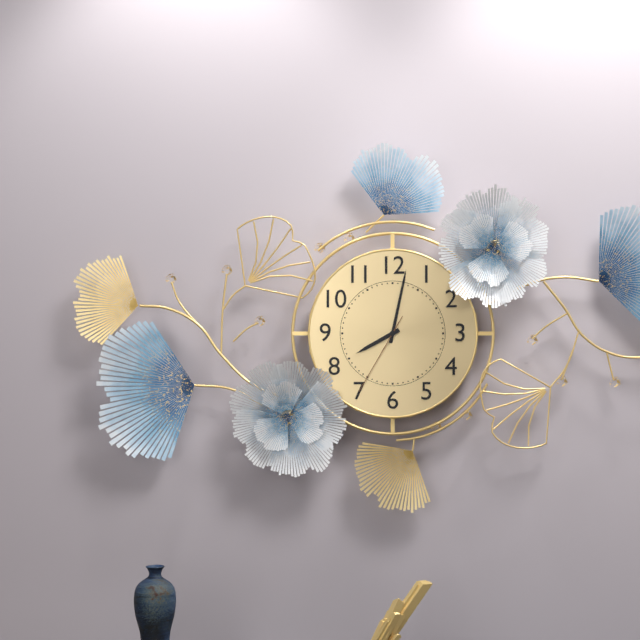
8.02.35
